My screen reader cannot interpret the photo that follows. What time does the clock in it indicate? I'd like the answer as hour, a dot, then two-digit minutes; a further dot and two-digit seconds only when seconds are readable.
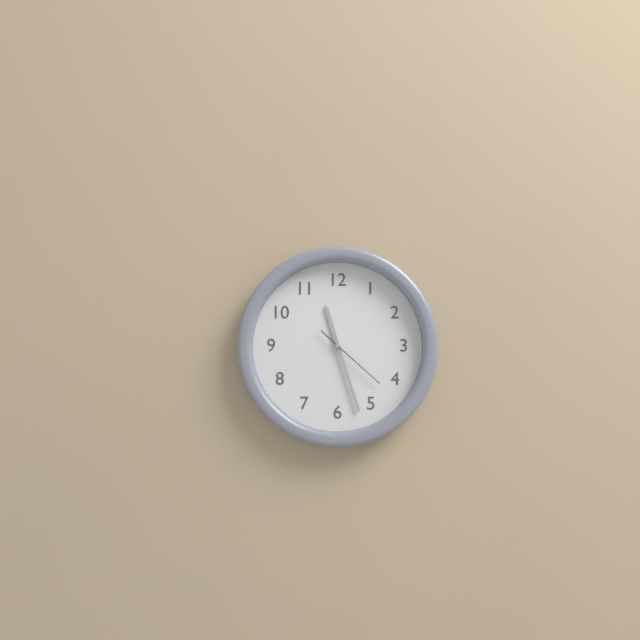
11.27.22
